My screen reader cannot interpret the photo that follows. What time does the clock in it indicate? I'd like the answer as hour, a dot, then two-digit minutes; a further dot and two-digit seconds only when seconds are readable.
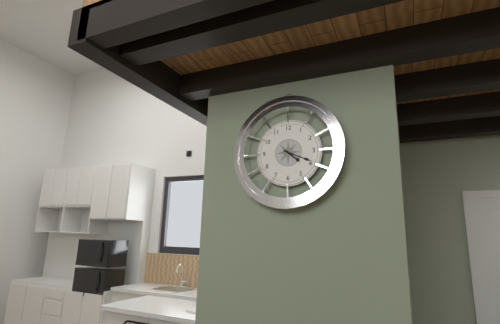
4.19
